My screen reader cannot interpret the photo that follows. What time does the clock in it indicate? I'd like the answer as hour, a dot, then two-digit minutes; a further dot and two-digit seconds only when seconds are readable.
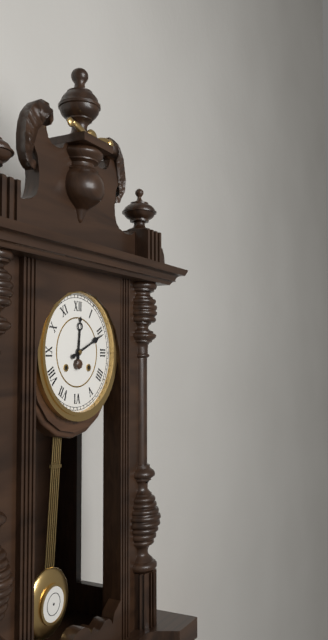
12.11
